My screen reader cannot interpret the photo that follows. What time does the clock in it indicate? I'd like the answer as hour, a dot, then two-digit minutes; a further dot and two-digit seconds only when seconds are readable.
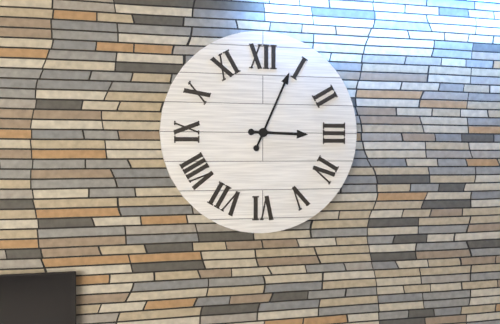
3.04
